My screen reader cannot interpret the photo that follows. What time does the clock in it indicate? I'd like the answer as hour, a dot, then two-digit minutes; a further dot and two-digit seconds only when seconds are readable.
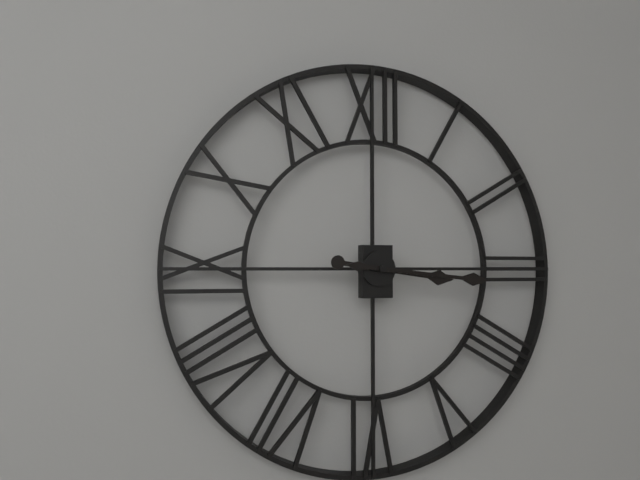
3.16
